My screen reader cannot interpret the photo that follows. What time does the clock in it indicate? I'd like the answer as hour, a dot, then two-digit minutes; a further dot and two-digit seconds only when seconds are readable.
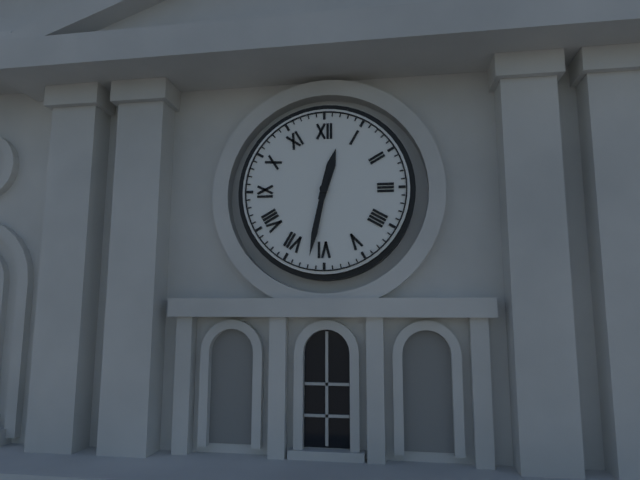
12.32
